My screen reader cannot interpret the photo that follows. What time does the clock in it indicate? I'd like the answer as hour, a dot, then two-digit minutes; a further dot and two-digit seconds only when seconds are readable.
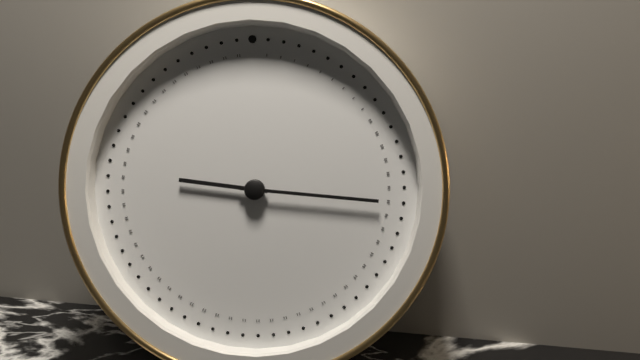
9.16
